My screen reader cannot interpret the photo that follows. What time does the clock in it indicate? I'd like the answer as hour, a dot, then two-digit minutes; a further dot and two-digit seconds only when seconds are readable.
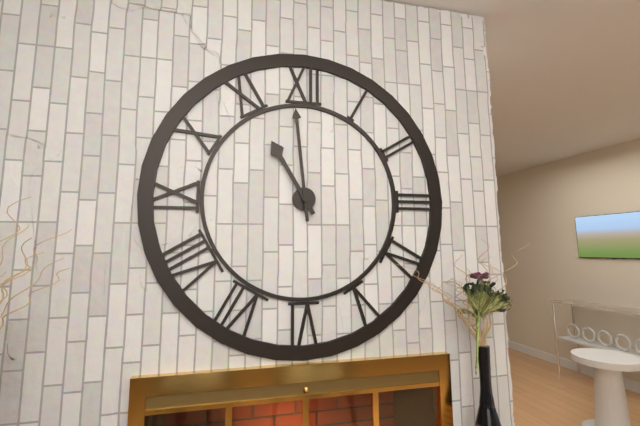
10.59
